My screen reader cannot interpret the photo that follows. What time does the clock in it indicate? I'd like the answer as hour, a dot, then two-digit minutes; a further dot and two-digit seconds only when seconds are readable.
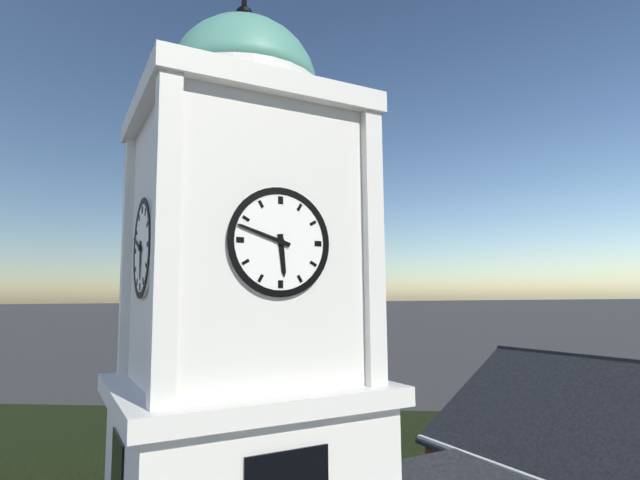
5.48
